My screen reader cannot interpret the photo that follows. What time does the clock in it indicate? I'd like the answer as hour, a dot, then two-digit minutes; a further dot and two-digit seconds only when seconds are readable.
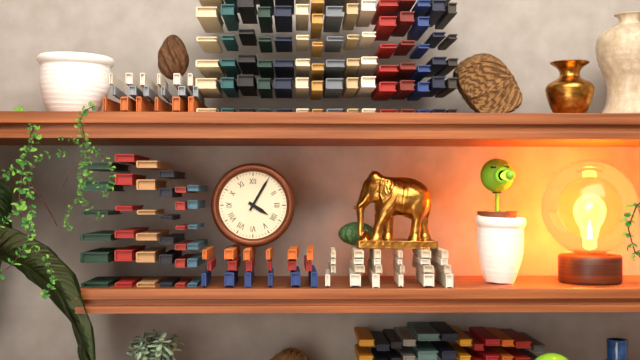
4.05
